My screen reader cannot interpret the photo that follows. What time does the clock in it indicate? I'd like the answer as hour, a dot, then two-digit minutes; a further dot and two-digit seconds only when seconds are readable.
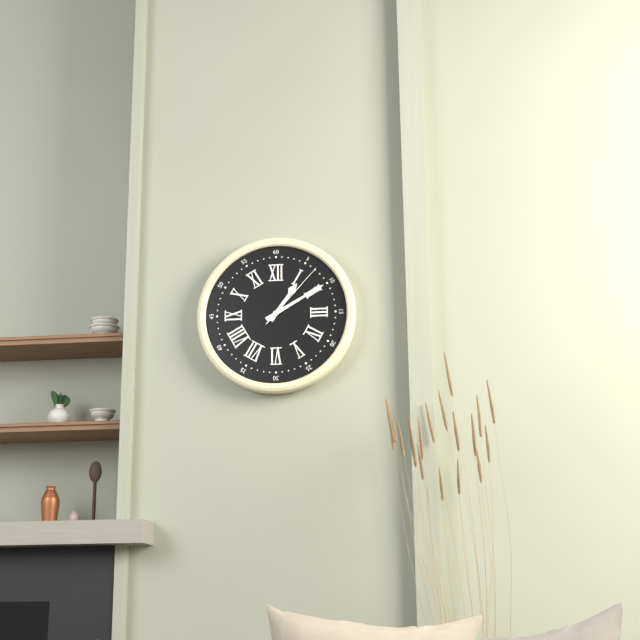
1.10.07
